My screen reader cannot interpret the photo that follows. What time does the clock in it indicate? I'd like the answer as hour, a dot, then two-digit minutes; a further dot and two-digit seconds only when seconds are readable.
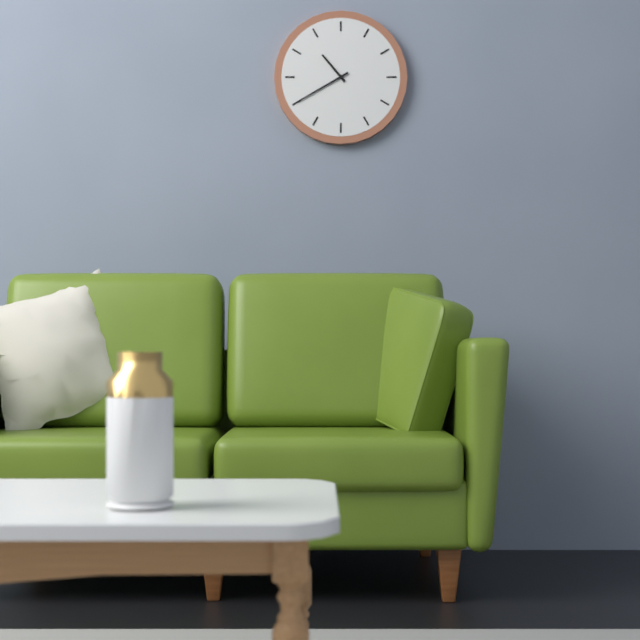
10.40
